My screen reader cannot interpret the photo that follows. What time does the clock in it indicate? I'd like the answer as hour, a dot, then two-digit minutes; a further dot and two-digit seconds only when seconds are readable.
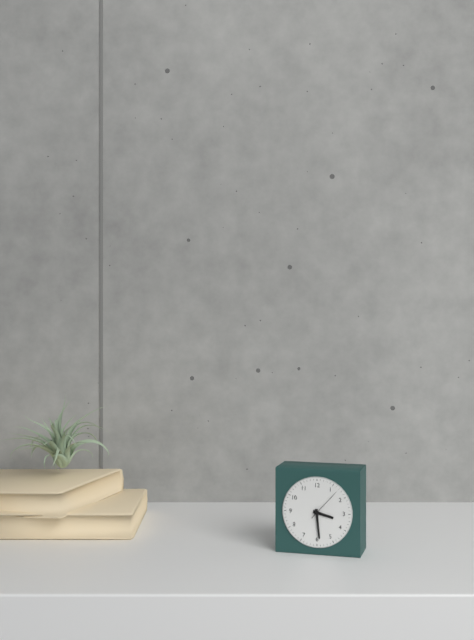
3.29
